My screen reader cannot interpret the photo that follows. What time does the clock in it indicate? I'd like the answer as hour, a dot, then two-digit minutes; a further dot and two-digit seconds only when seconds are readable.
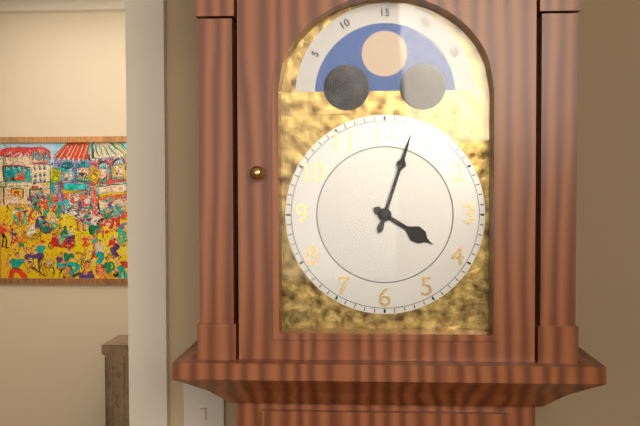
4.03
